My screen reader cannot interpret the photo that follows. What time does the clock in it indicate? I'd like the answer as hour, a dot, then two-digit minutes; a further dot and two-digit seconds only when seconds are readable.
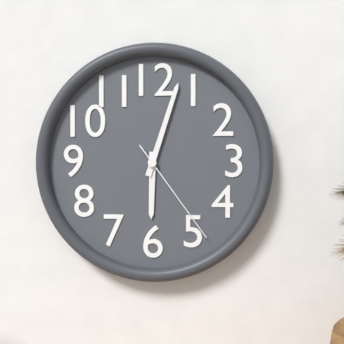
6.03.24
